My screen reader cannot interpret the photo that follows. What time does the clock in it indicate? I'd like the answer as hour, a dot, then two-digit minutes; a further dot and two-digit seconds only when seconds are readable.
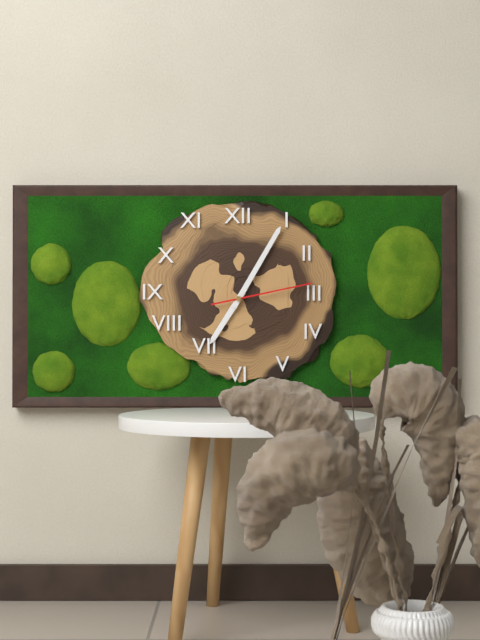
7.05.13
